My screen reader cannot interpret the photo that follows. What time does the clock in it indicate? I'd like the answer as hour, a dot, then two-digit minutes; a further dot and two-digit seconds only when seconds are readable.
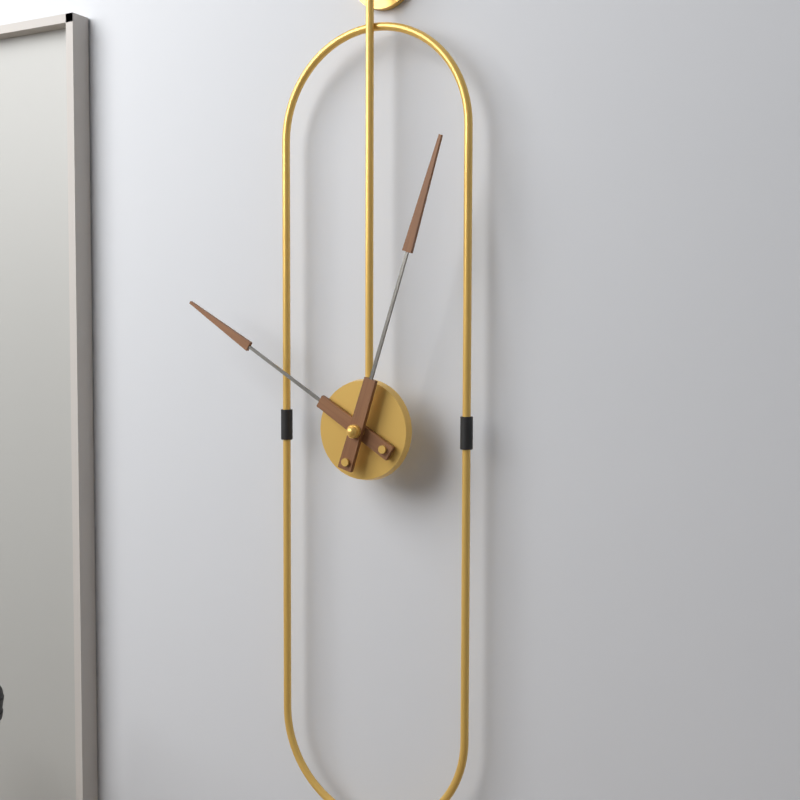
10.03
